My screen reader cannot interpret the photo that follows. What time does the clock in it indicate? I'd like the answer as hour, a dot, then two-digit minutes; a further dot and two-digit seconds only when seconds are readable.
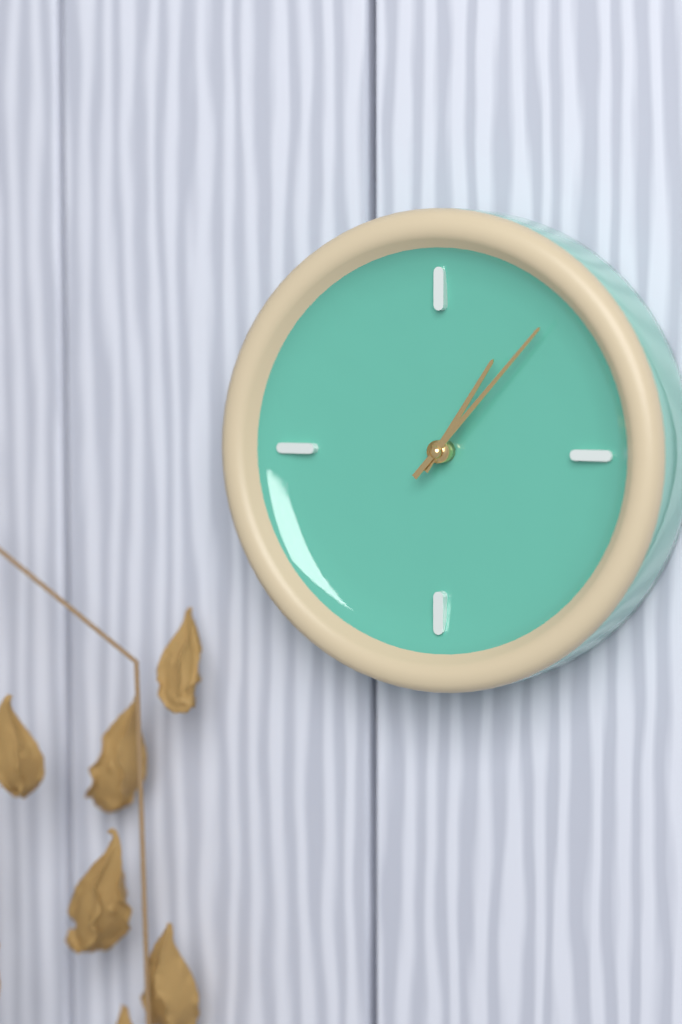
1.07
